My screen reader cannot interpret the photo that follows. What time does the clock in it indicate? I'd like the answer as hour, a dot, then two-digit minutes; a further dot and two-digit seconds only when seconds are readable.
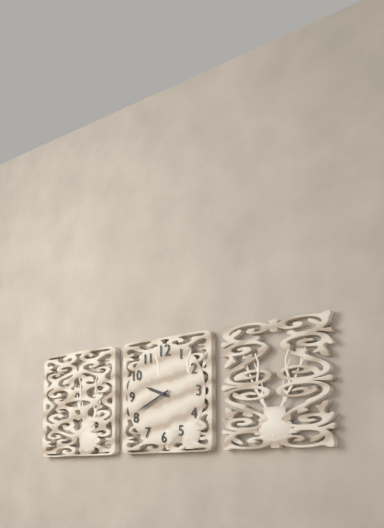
9.41
